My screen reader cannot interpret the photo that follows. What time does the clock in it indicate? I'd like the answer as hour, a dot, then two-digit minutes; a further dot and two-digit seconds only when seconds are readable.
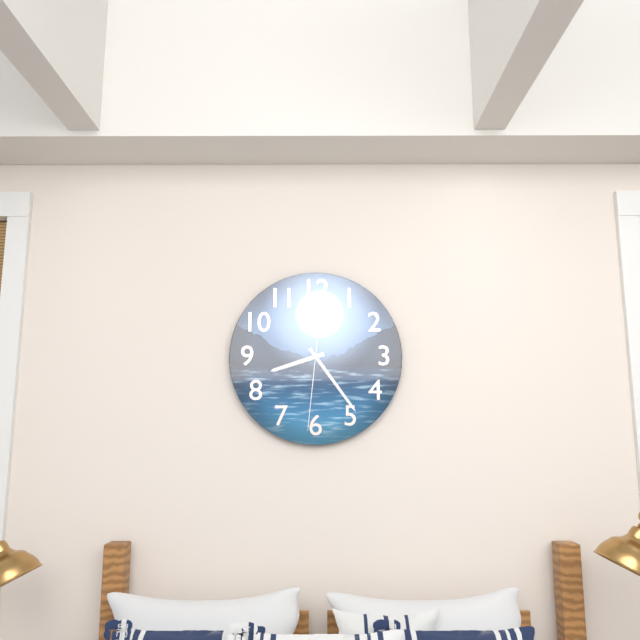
8.24.31
